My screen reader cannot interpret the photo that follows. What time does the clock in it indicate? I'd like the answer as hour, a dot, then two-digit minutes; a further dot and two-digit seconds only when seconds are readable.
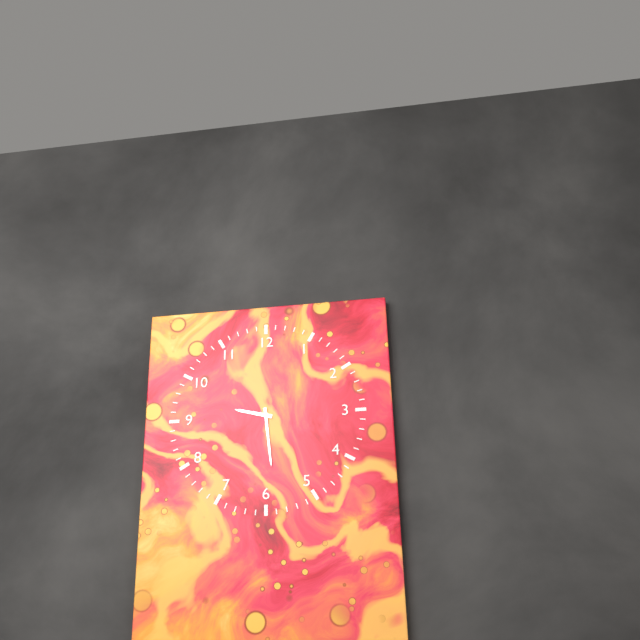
9.29
